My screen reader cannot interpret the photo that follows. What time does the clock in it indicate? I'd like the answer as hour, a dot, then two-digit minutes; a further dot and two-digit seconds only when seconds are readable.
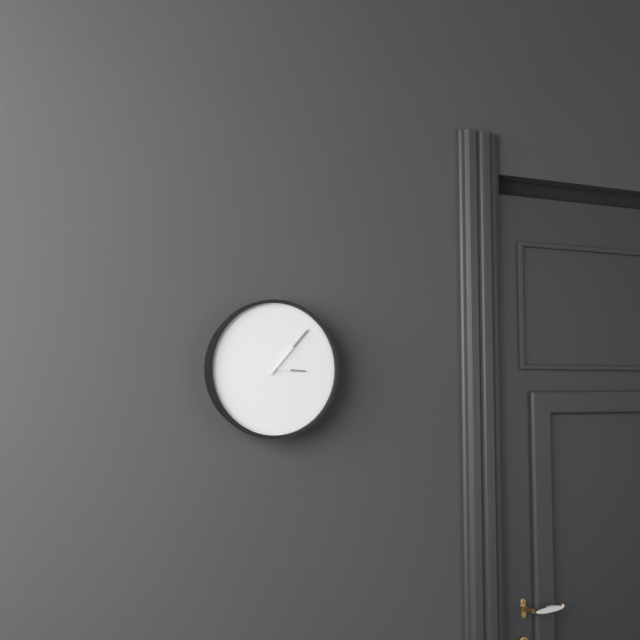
3.07
